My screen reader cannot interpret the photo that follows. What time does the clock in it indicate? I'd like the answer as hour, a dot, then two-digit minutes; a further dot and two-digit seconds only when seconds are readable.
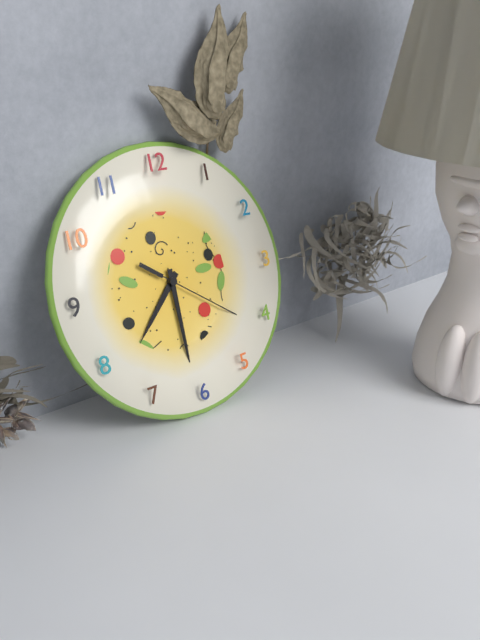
7.30.21
